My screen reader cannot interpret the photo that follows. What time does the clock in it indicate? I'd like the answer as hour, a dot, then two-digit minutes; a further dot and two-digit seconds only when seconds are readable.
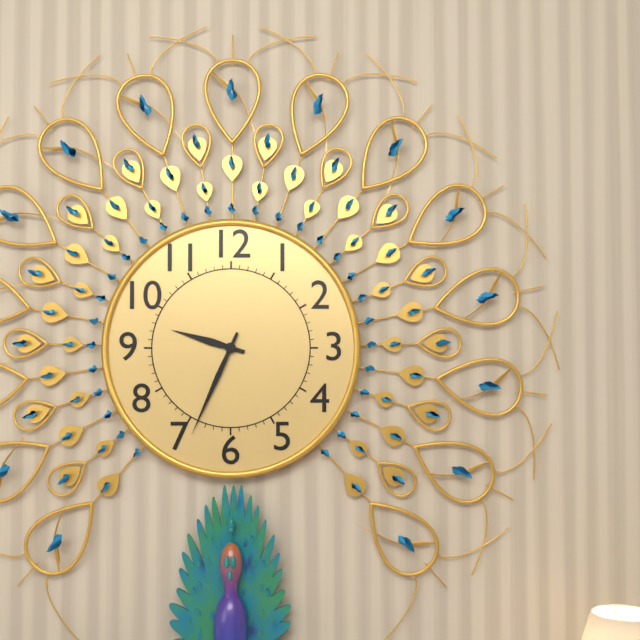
9.34
